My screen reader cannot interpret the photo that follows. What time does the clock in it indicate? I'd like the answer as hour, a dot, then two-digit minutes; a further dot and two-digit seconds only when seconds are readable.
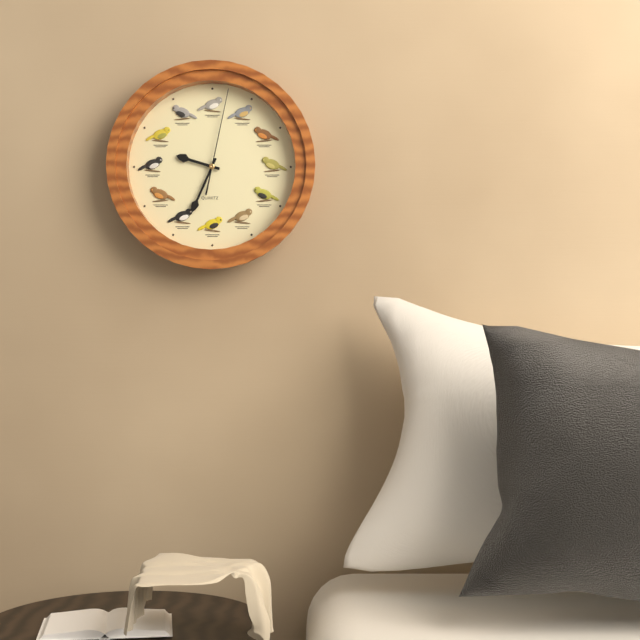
9.34.02
